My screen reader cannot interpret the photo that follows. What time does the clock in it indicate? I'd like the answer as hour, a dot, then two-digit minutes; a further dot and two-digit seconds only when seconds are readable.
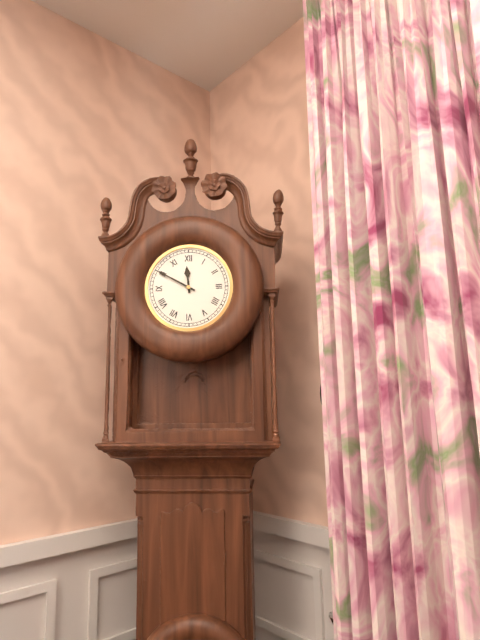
11.50
